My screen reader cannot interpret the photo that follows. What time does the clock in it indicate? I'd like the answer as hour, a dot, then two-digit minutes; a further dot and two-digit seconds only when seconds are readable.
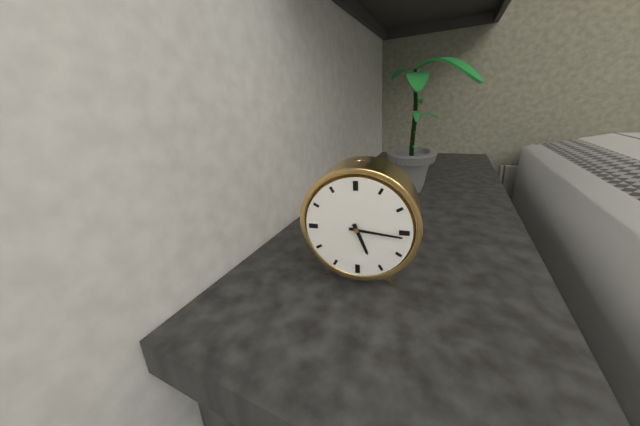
5.16
